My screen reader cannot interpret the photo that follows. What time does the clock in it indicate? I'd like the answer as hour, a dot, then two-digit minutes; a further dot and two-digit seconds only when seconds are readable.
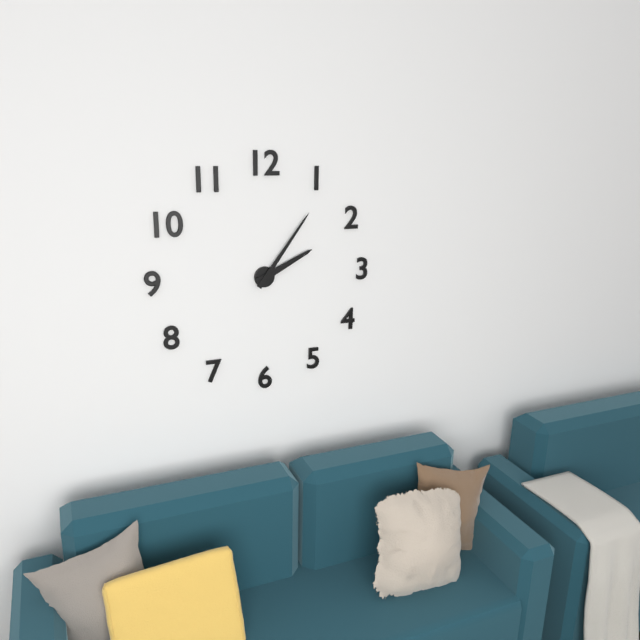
2.06
